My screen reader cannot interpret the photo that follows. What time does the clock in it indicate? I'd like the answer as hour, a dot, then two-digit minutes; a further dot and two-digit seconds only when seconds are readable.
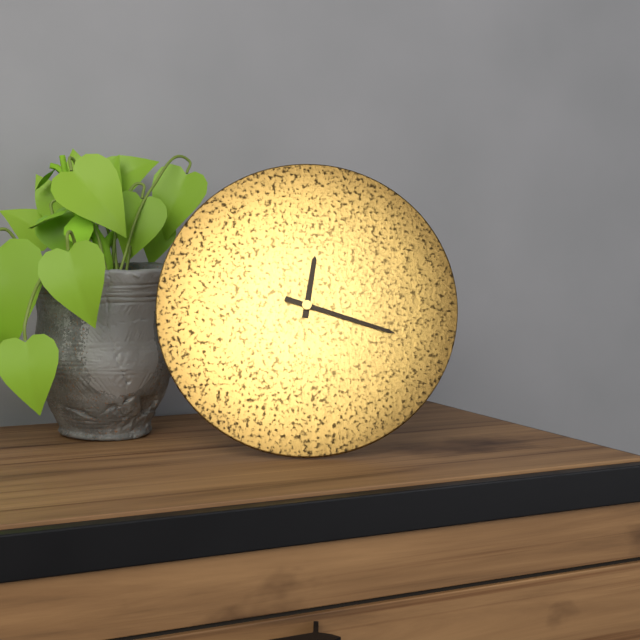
12.18
